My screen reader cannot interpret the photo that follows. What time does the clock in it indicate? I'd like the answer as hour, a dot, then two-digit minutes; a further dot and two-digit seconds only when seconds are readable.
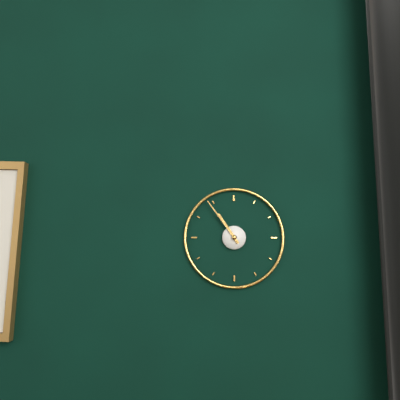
10.54
